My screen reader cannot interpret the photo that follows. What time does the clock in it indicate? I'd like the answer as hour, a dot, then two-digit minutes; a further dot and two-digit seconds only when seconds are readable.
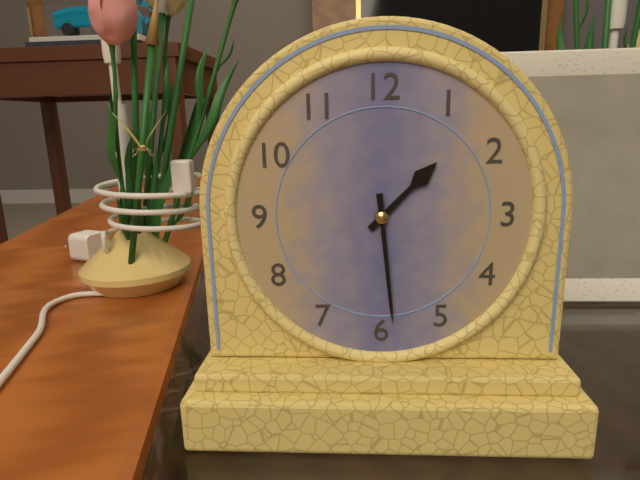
1.29
